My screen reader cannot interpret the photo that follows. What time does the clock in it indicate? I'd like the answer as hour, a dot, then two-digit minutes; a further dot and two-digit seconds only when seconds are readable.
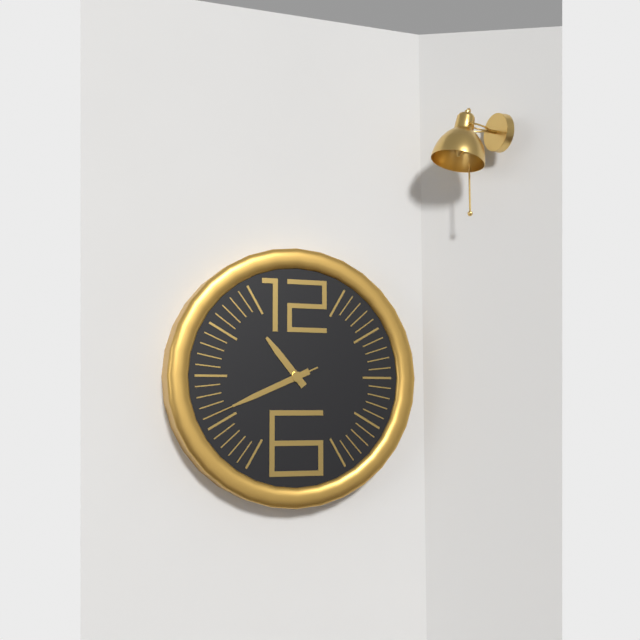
10.41.41
